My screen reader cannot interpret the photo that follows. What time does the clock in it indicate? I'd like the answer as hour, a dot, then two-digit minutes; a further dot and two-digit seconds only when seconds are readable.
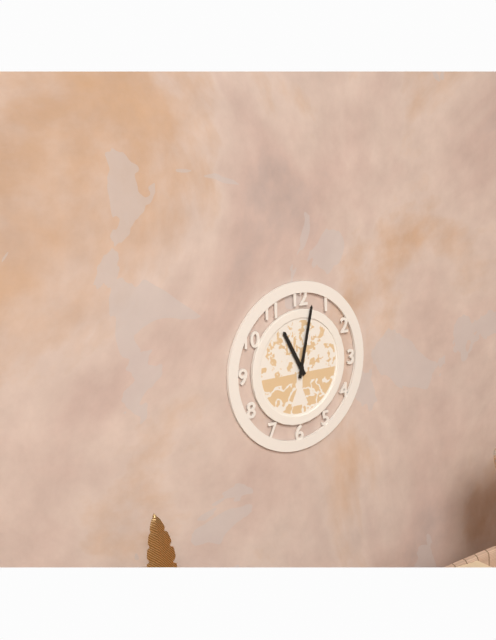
11.02
